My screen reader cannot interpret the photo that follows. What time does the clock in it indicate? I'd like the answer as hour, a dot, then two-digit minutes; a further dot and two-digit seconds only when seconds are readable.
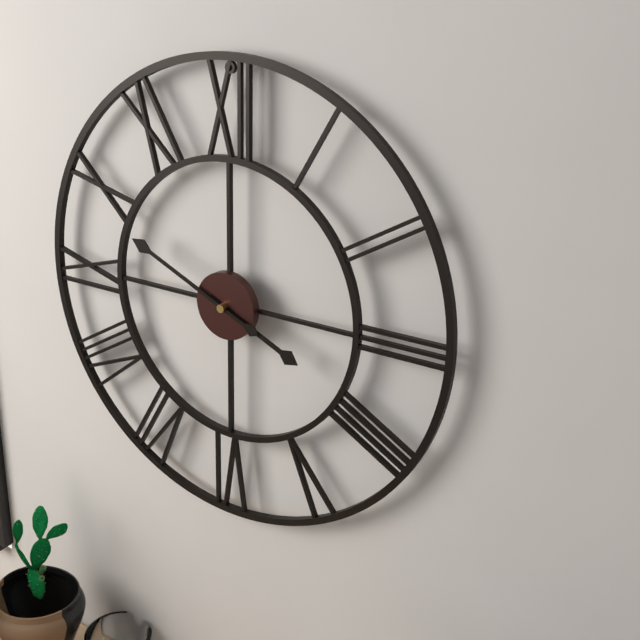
3.49
